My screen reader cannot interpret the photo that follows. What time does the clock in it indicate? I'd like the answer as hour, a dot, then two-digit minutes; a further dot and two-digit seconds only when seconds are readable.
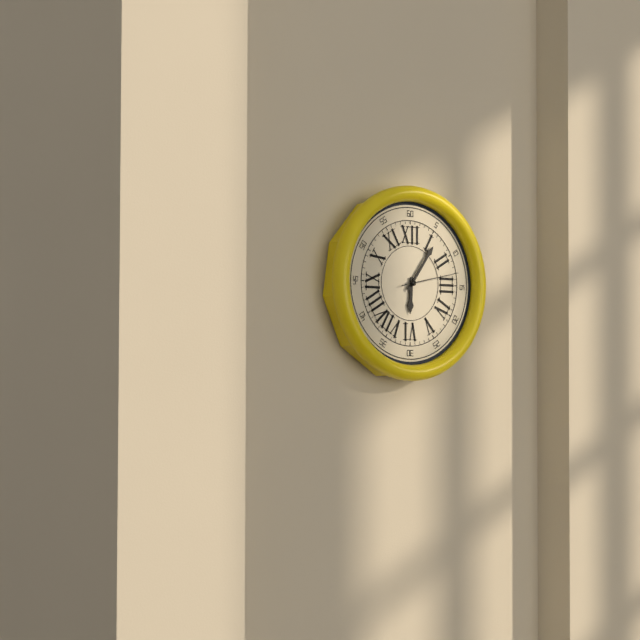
6.06.13
